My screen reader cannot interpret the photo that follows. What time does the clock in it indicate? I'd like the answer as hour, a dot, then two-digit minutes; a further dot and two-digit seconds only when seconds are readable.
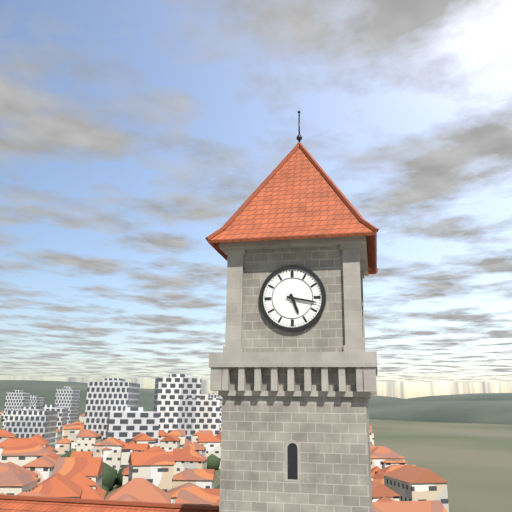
5.17
